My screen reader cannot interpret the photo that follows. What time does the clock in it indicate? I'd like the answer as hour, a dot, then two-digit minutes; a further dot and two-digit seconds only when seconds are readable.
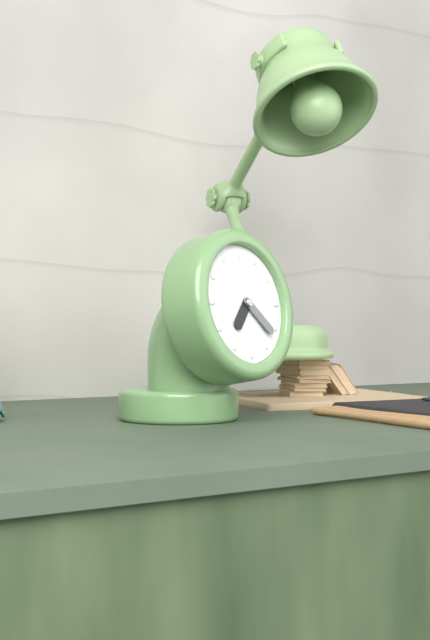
7.22
